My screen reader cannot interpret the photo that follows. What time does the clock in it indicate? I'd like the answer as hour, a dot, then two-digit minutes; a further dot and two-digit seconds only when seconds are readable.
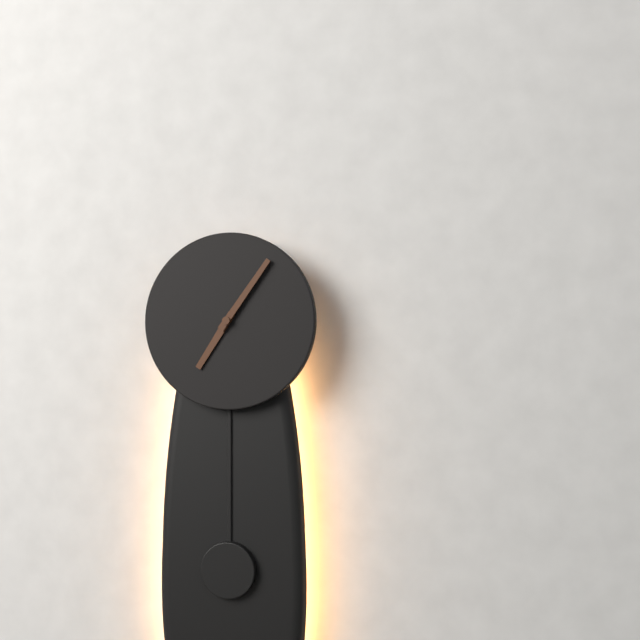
7.06
